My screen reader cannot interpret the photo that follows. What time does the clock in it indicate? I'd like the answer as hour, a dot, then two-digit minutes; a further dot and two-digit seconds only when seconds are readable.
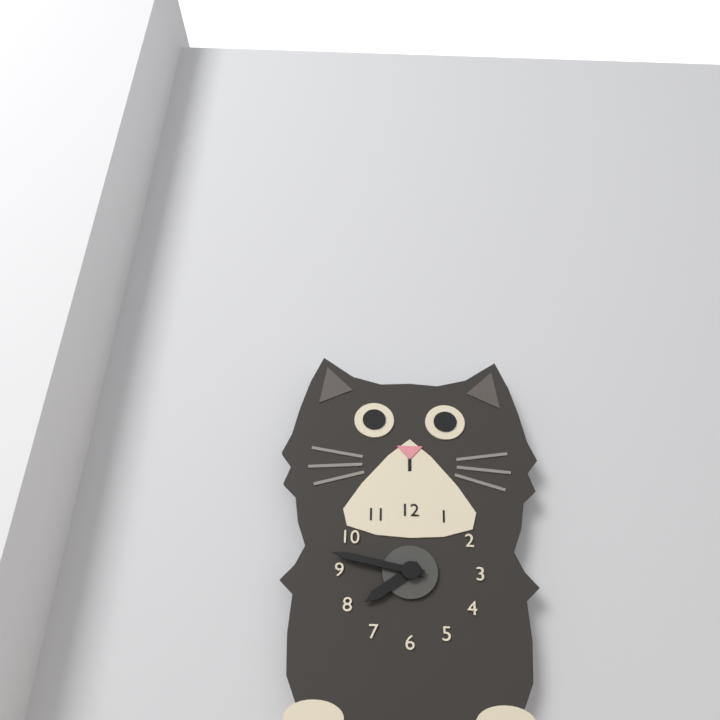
7.47
